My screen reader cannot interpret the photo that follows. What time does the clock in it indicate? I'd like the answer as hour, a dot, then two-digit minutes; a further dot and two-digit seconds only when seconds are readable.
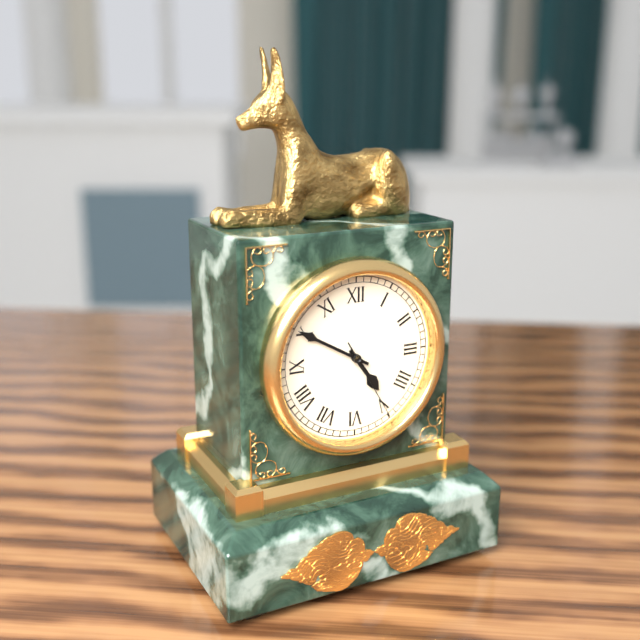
4.50.25
